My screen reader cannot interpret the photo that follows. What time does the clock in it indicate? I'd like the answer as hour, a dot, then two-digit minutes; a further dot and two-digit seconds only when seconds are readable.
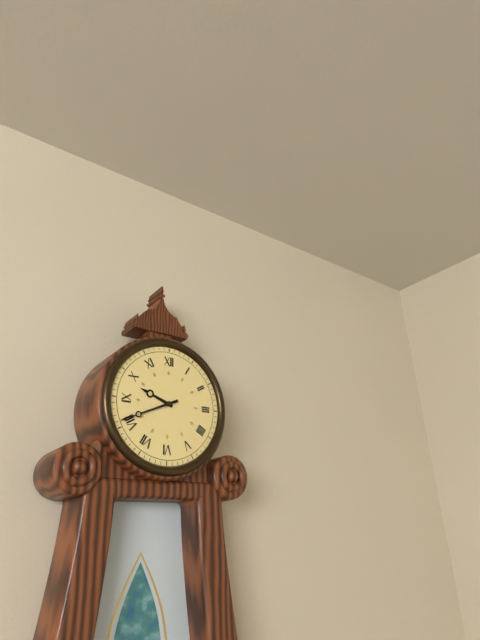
9.41
